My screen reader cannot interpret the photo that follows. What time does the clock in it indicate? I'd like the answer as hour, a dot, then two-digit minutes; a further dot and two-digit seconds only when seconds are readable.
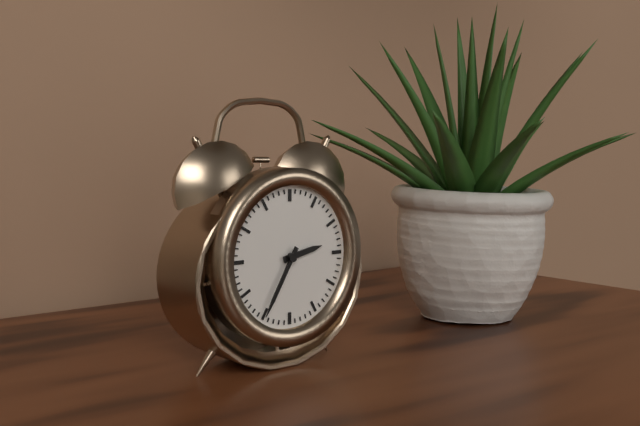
2.35
